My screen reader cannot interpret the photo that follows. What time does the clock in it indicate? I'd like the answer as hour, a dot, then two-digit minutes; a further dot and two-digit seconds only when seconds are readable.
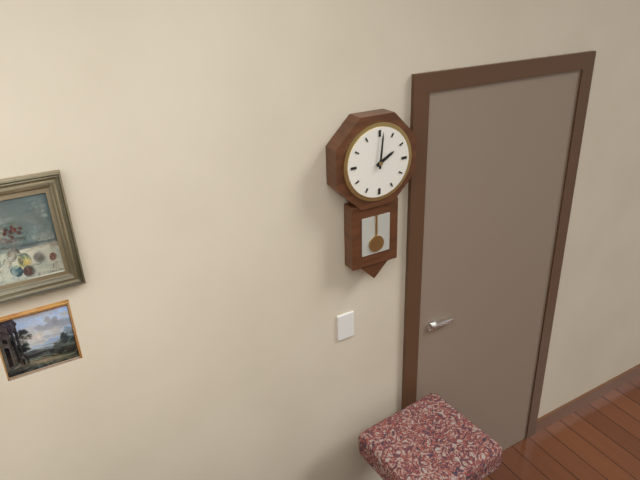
2.01
